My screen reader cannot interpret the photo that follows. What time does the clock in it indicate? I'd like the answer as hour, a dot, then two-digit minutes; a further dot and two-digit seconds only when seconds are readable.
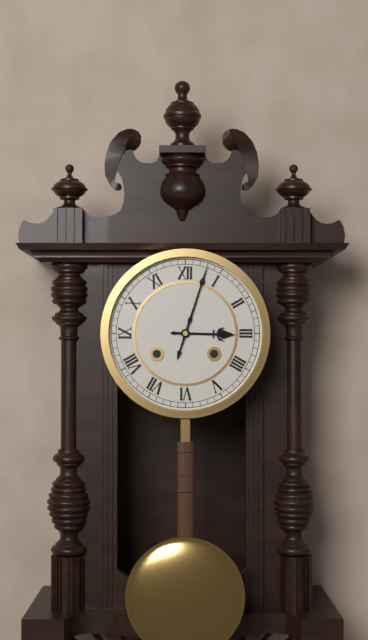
3.03
